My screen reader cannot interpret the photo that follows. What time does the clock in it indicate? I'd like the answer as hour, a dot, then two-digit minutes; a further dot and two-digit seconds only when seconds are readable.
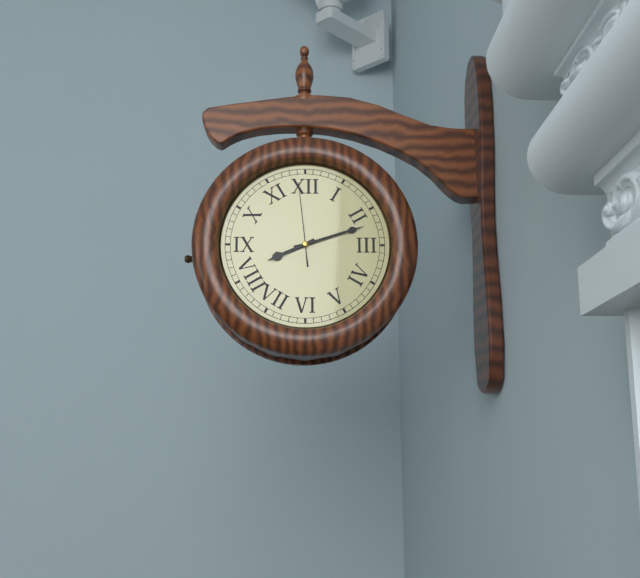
8.12.59
